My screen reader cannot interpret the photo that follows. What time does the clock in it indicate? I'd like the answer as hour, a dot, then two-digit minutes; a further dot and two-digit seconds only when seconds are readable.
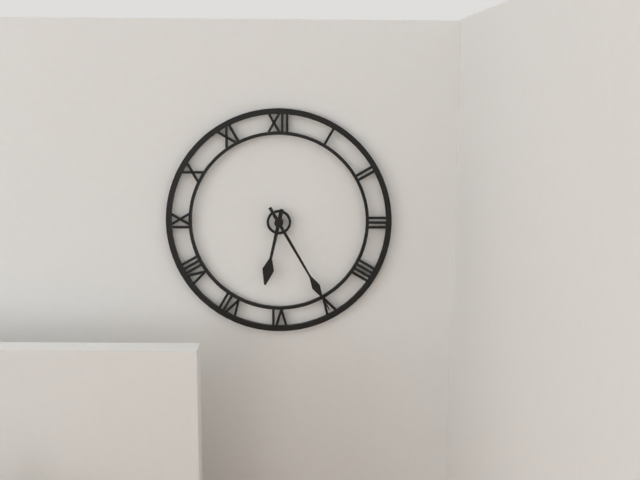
6.25
